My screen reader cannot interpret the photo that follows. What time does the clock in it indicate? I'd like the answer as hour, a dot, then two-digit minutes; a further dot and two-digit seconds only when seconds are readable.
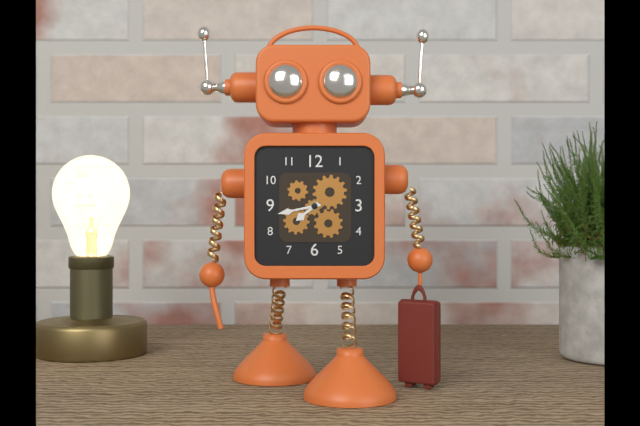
7.43
